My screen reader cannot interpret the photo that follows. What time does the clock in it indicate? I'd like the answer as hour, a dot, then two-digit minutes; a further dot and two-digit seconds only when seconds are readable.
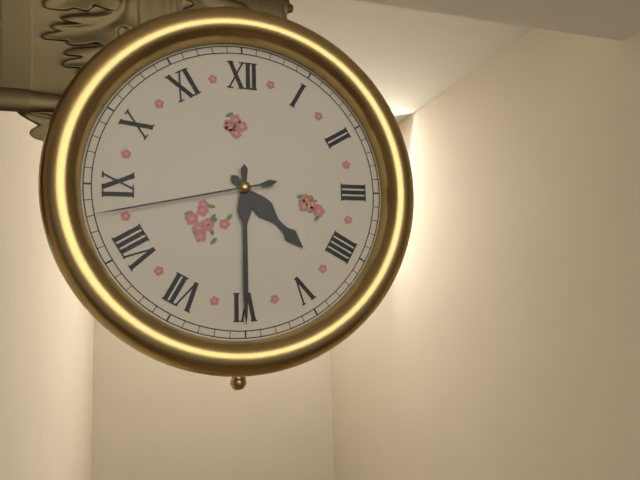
4.30.43
